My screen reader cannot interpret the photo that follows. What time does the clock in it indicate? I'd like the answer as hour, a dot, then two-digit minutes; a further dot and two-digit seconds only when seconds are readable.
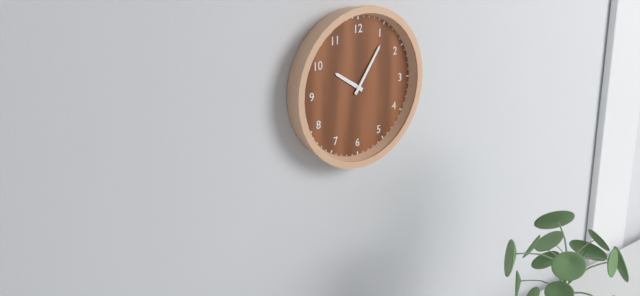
10.06
